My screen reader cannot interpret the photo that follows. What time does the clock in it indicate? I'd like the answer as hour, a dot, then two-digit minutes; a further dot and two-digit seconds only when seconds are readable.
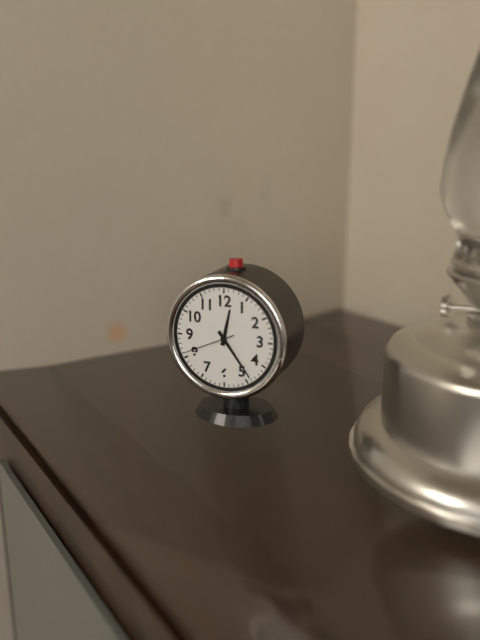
12.24.41
